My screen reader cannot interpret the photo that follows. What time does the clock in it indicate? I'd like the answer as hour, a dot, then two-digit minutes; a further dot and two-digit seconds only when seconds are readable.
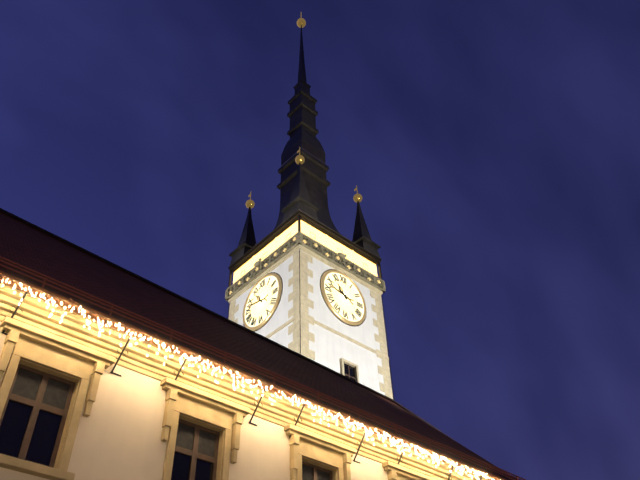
10.47
